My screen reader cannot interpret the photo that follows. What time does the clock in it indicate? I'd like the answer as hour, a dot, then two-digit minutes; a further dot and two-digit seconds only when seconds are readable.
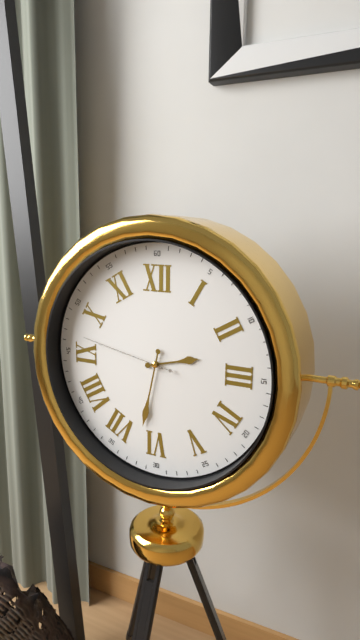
2.32.47
